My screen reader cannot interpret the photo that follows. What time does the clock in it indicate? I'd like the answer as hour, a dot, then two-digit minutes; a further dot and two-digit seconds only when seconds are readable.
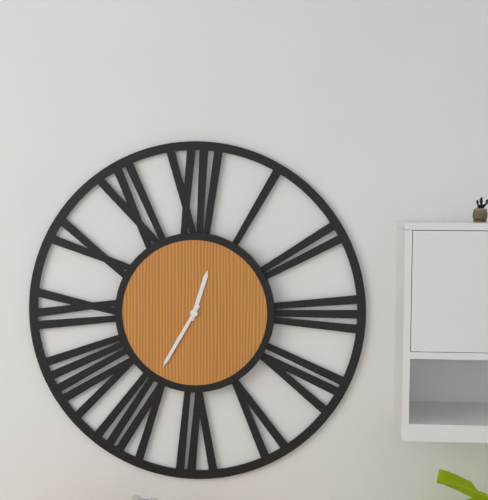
12.35
